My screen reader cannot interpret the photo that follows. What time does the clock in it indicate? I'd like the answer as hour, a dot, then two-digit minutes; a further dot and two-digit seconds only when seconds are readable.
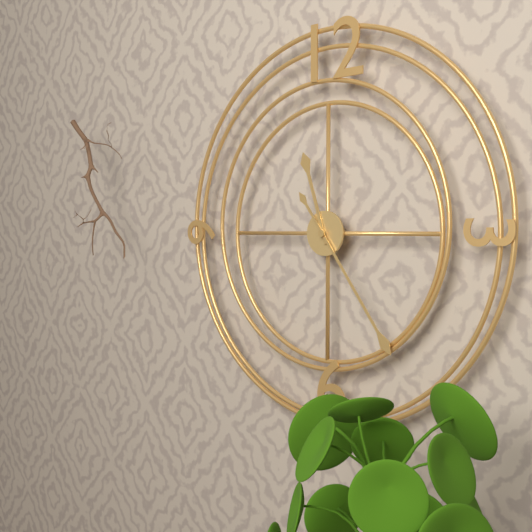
11.24
